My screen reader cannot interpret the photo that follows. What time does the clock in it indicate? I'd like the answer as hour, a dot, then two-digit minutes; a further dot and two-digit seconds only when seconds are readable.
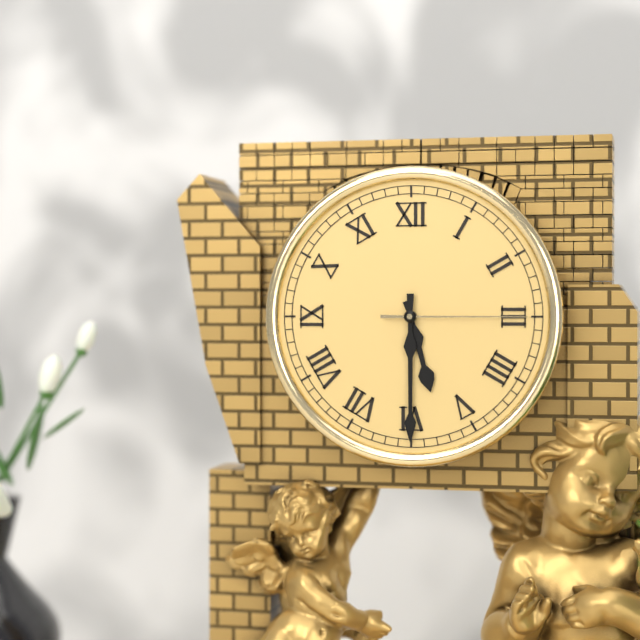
5.30.15
